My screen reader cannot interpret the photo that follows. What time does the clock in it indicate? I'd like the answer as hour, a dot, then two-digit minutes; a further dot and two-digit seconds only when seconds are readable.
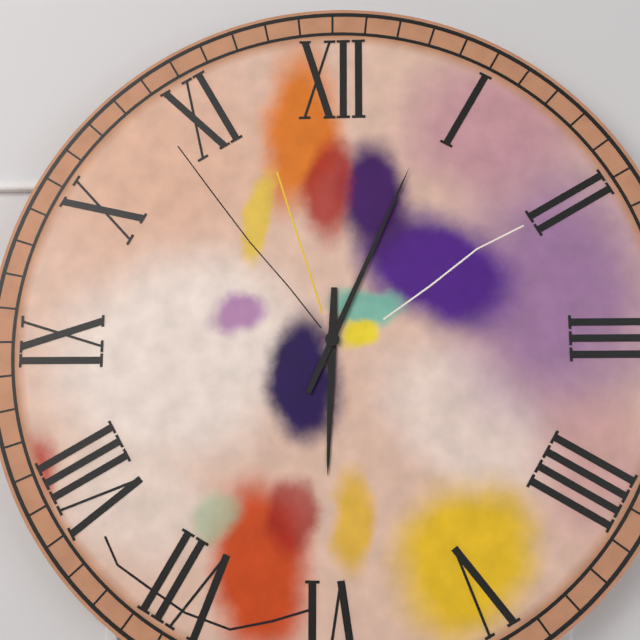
6.04
